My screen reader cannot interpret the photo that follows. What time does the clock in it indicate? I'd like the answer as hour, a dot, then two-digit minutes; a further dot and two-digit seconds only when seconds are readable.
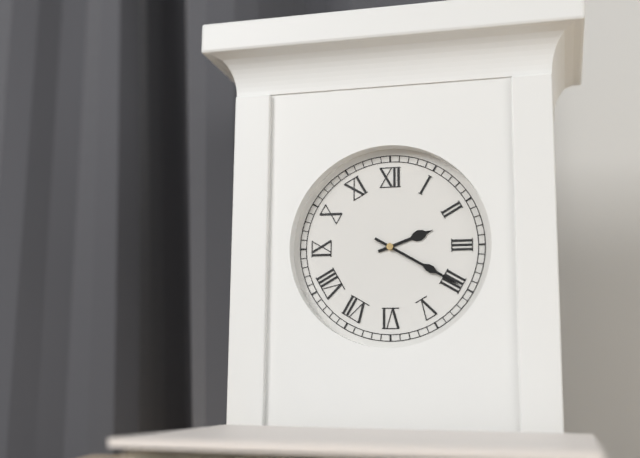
2.20
